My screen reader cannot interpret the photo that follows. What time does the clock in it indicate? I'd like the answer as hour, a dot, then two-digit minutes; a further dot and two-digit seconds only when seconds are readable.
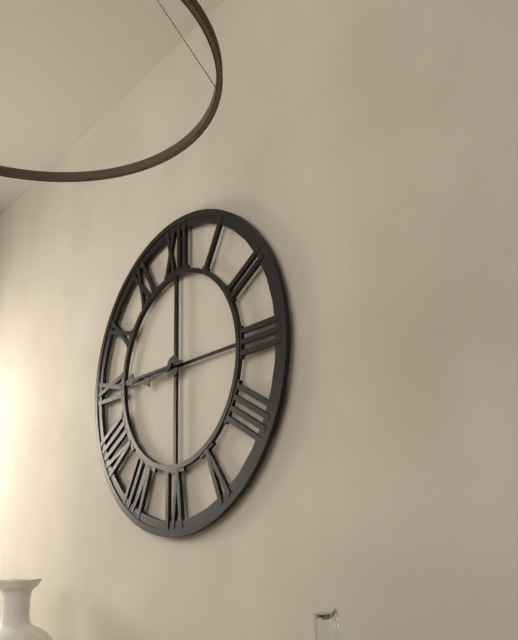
8.45
